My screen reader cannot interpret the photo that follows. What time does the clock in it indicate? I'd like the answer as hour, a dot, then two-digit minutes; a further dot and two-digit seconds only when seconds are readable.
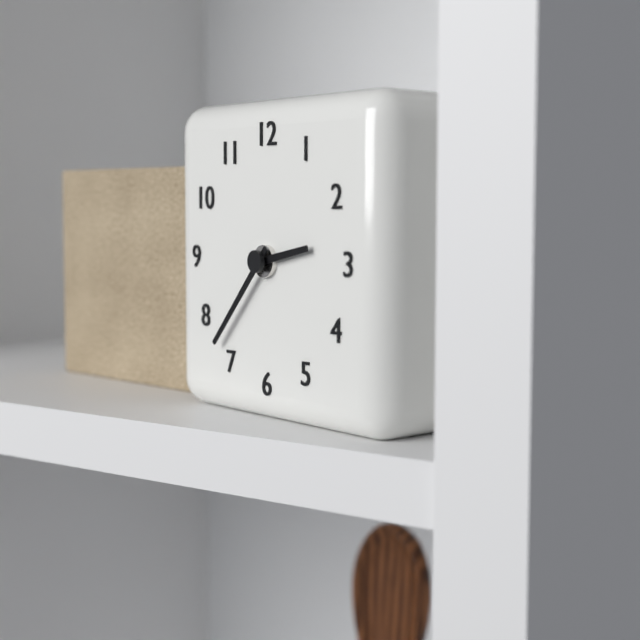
2.37
